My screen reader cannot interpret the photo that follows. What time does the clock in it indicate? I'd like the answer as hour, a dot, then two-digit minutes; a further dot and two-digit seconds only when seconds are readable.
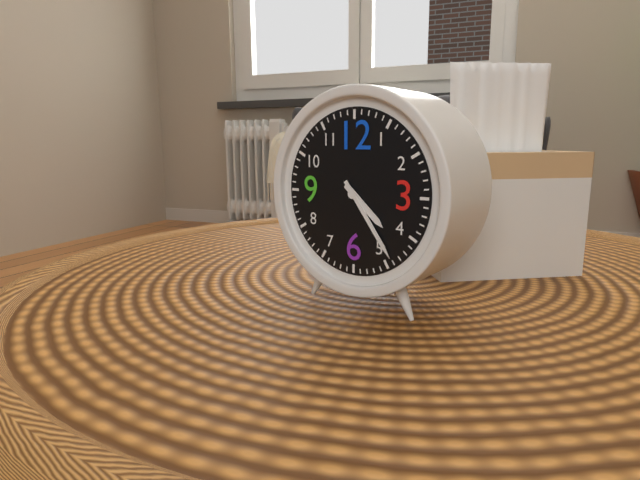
4.24
